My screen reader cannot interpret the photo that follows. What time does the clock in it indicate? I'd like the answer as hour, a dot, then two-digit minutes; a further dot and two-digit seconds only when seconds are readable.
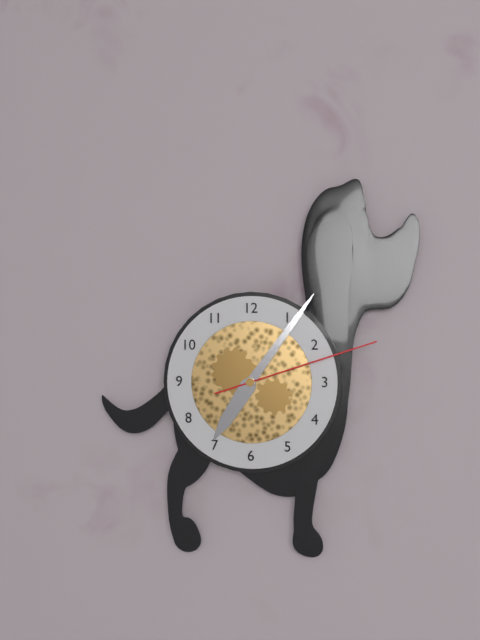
7.06.12
